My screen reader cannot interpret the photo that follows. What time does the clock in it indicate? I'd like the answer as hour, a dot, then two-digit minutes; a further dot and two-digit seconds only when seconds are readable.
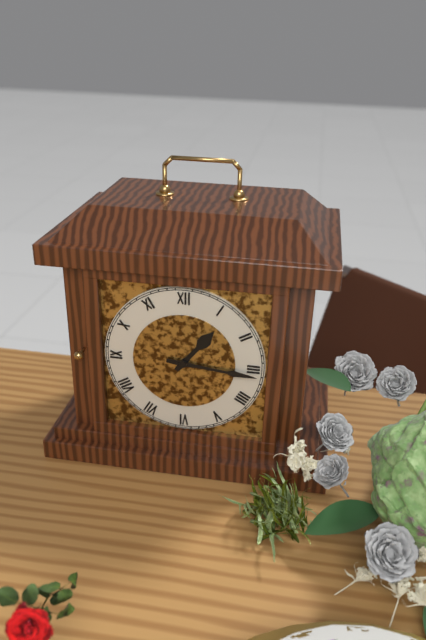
1.16
